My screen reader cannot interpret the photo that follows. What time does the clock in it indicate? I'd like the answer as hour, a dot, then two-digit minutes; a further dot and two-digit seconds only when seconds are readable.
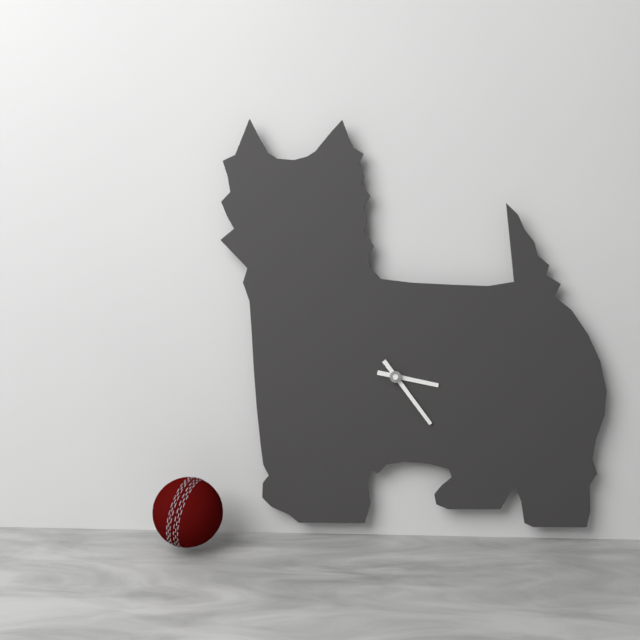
3.24
